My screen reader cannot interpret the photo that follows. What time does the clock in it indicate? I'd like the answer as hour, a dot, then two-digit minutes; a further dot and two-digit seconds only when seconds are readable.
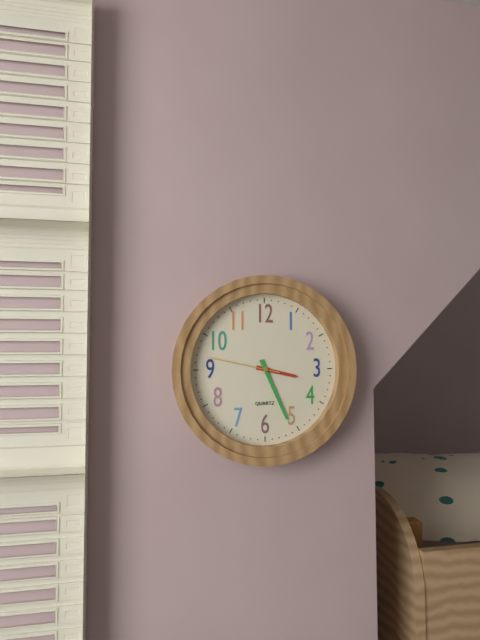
3.26.47
